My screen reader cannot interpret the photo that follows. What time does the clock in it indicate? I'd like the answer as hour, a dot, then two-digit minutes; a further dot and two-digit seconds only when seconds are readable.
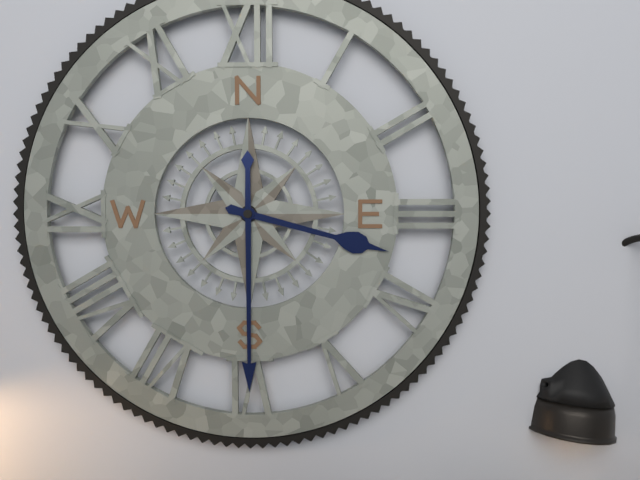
3.30
